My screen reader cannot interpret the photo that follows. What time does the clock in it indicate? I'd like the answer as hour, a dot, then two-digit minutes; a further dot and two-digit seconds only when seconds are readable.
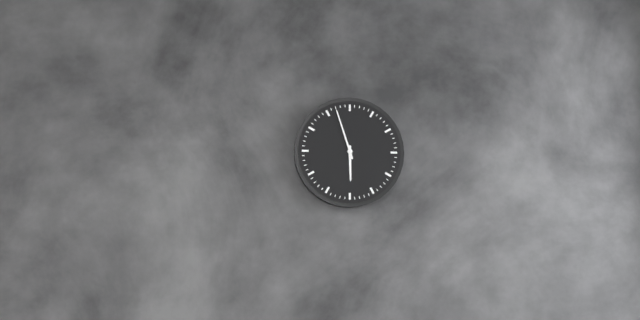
5.57
